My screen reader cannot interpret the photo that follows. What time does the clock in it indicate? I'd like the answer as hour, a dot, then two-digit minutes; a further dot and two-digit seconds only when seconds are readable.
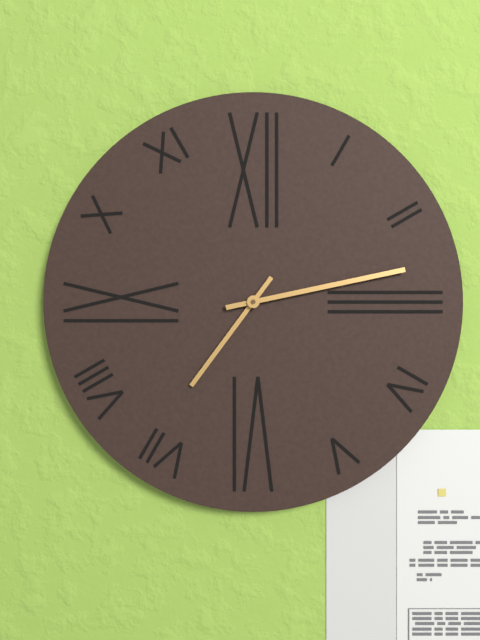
7.13
